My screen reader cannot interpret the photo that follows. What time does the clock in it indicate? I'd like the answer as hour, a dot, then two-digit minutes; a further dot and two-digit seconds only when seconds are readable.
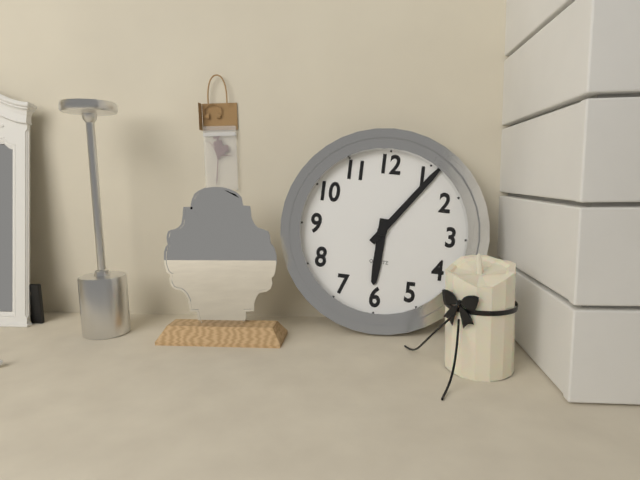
6.06
